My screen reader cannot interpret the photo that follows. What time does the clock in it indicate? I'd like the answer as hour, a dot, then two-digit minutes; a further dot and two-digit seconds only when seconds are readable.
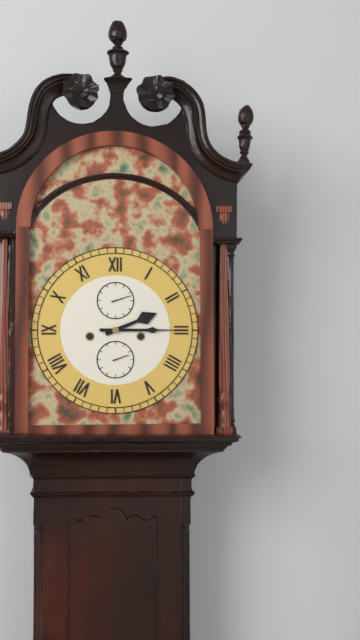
2.15
